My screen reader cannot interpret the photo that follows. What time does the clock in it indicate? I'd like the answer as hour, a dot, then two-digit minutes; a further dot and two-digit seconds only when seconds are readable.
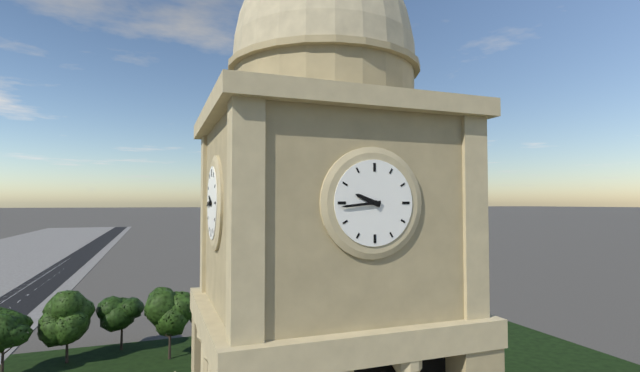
9.44
